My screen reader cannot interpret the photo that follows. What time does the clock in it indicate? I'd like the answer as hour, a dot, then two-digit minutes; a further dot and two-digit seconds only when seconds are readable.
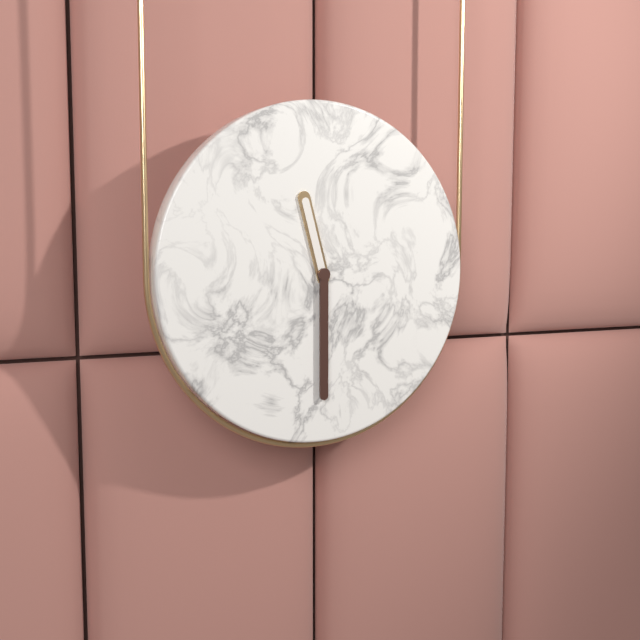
11.30
